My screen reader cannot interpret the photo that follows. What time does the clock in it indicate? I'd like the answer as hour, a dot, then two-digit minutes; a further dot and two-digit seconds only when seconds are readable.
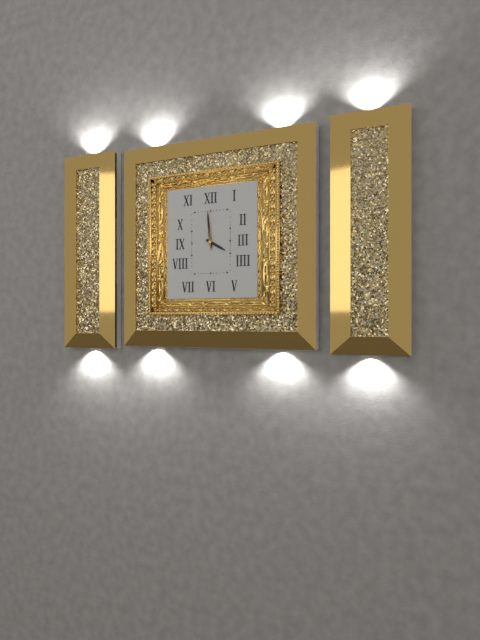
3.59
